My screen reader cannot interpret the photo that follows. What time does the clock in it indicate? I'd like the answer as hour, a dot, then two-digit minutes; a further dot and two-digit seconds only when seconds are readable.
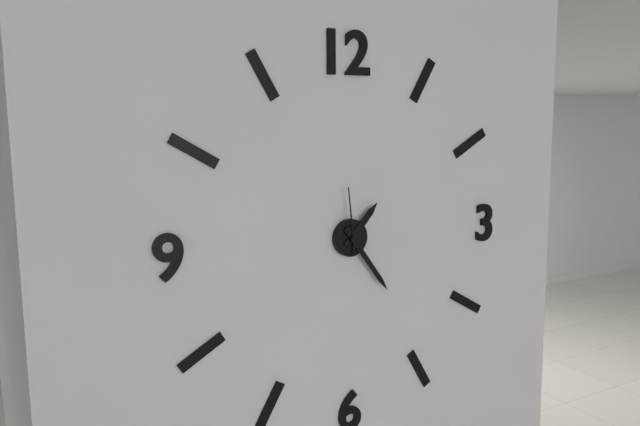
1.24.59
